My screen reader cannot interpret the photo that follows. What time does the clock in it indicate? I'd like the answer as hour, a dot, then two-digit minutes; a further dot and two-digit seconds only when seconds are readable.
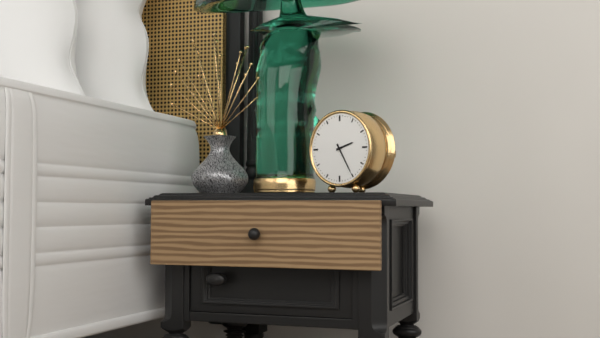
2.25
